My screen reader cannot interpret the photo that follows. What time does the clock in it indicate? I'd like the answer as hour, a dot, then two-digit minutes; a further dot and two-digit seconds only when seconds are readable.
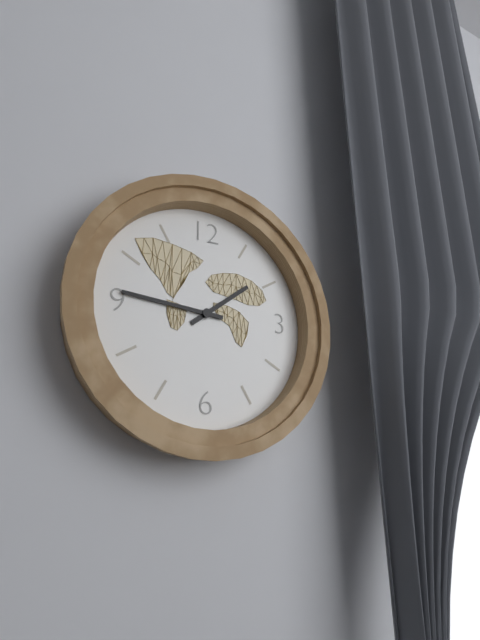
1.46
